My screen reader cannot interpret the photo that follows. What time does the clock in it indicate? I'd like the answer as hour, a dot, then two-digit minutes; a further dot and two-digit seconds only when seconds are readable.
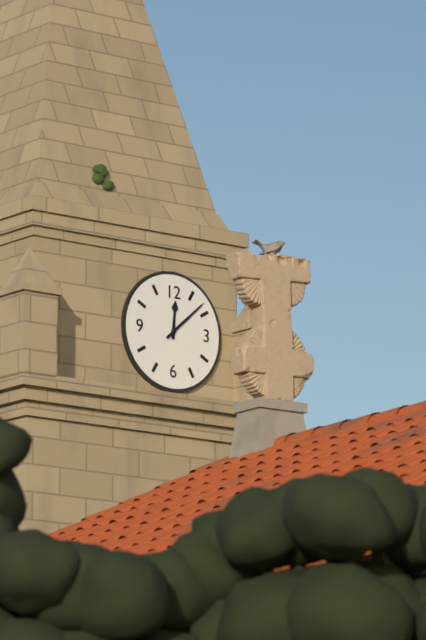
12.08
